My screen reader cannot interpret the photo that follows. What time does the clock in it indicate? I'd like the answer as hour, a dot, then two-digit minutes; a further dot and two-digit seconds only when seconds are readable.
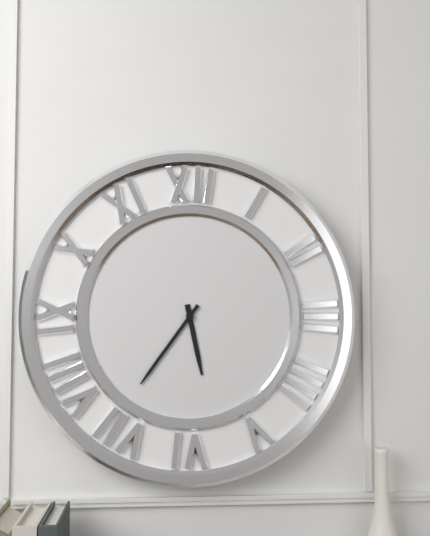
5.36
